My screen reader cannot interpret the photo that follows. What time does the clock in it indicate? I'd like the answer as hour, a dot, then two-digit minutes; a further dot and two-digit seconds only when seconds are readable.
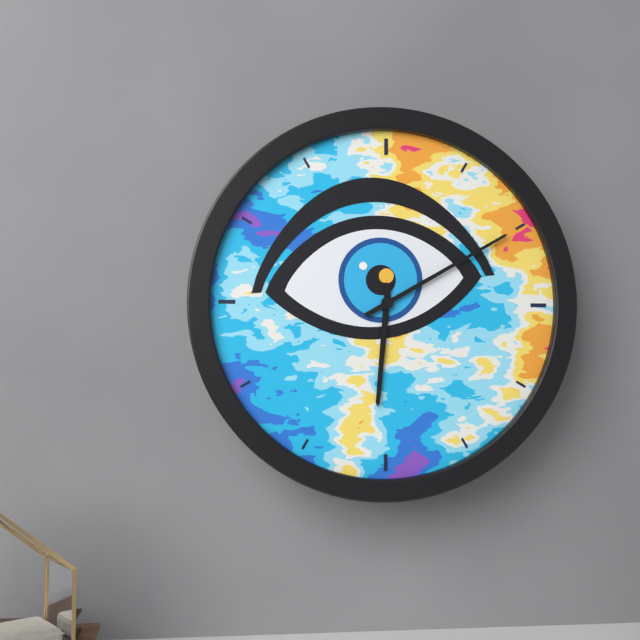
6.10
